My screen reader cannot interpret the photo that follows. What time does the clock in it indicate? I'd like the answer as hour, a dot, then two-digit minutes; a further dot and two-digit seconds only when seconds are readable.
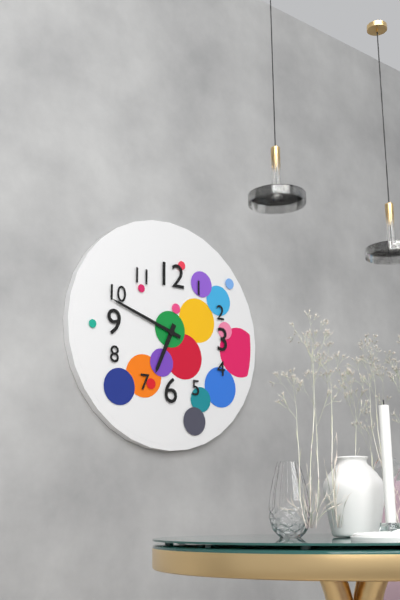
6.48
